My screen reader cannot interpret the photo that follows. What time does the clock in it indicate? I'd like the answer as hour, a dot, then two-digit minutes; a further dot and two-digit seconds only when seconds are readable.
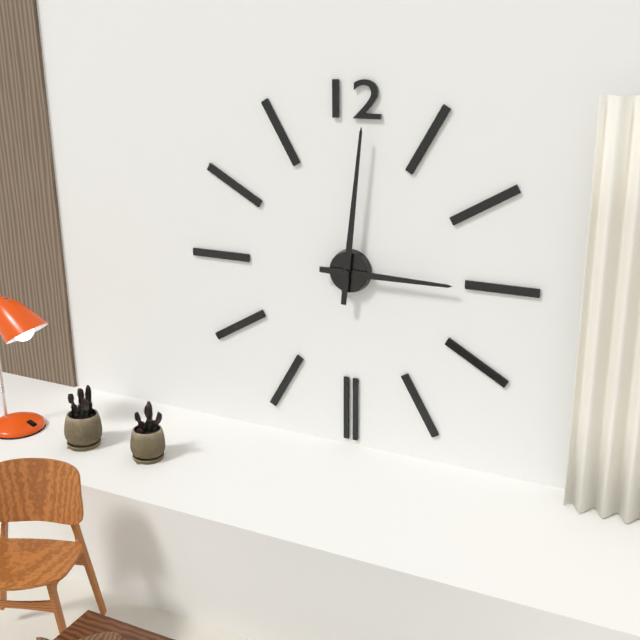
3.01
